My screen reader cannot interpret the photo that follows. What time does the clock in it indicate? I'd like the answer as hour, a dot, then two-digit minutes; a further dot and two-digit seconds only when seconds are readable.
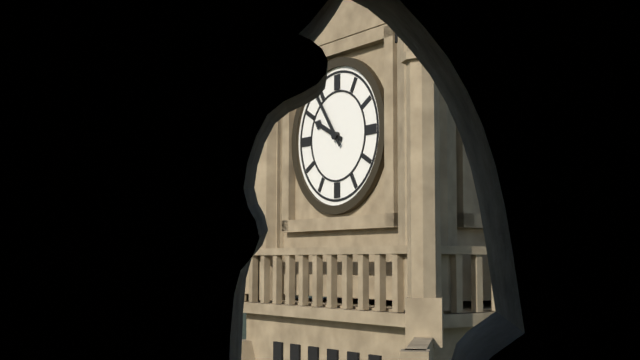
9.54
